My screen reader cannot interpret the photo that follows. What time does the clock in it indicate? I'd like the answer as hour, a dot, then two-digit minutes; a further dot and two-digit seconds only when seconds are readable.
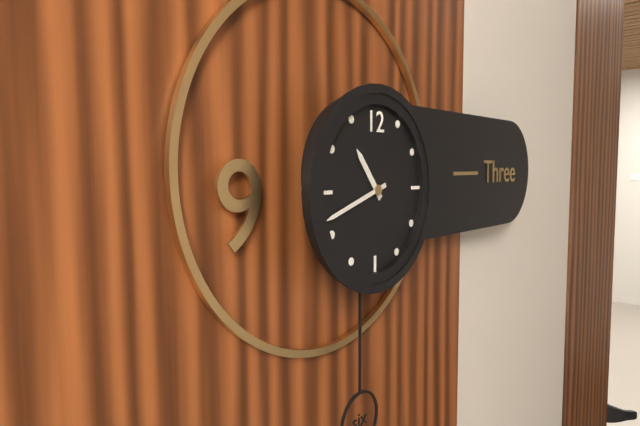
10.42
